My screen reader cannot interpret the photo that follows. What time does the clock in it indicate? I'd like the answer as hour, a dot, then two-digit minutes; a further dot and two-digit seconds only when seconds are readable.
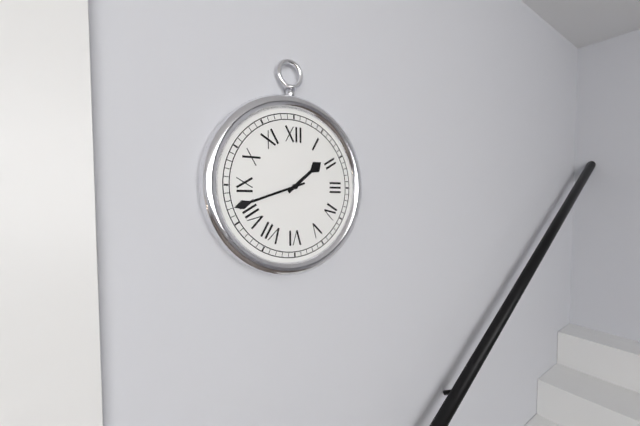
1.42
